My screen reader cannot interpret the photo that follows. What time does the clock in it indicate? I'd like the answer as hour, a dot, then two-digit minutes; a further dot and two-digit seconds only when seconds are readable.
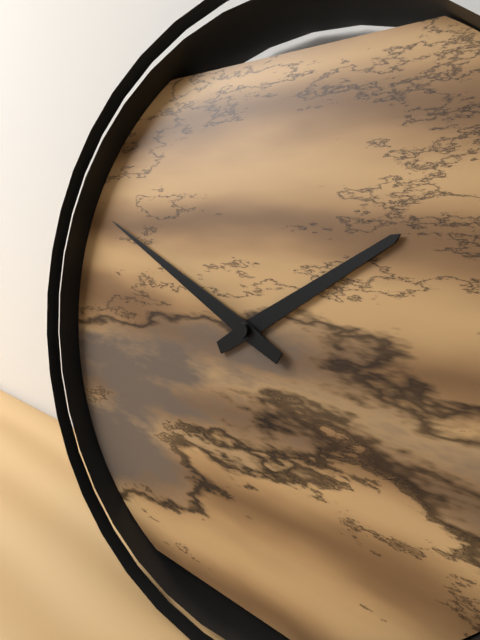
1.49
